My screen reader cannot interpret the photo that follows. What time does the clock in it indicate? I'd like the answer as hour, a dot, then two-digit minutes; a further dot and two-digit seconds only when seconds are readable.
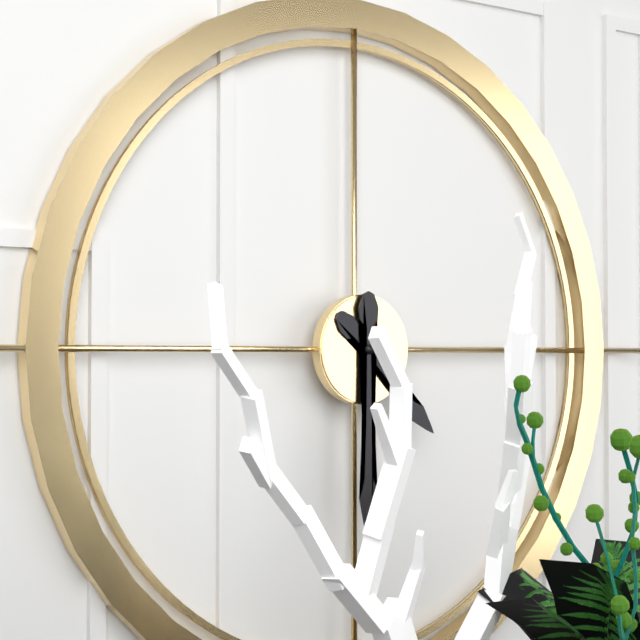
4.30
